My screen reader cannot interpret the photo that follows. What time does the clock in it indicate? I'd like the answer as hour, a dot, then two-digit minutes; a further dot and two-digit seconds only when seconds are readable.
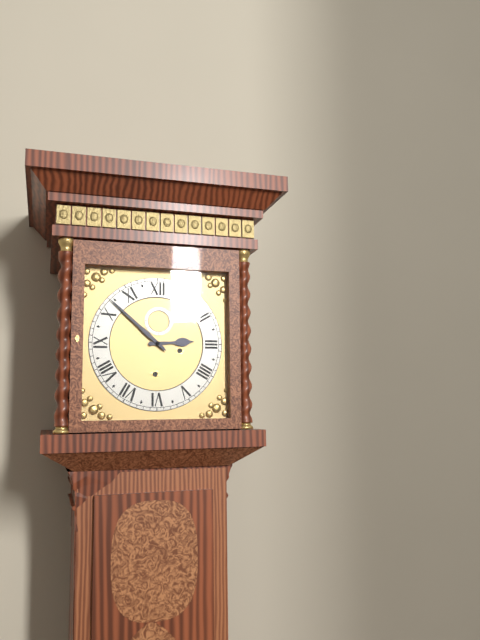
2.52
